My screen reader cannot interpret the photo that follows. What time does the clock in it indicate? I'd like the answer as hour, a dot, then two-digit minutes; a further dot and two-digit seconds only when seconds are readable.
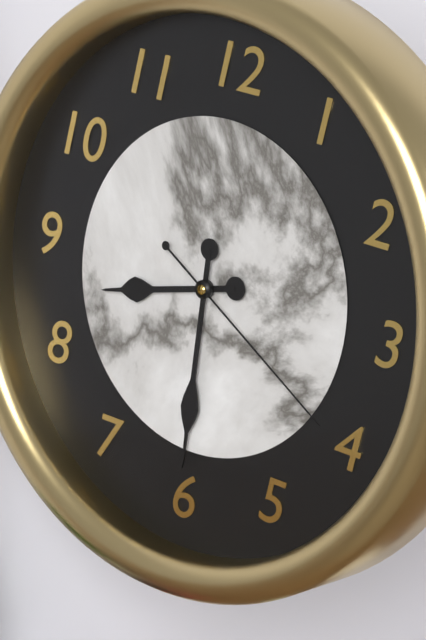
8.30.20
